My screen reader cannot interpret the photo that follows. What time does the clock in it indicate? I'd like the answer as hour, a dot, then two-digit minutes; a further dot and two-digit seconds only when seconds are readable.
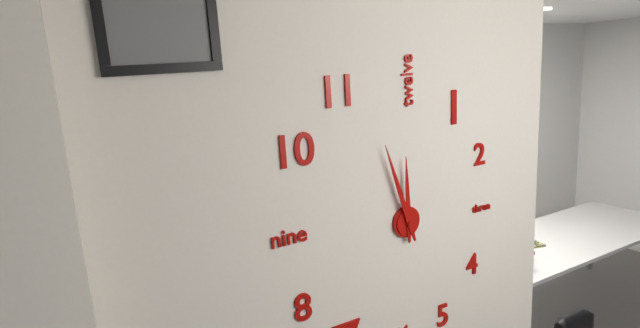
11.57
